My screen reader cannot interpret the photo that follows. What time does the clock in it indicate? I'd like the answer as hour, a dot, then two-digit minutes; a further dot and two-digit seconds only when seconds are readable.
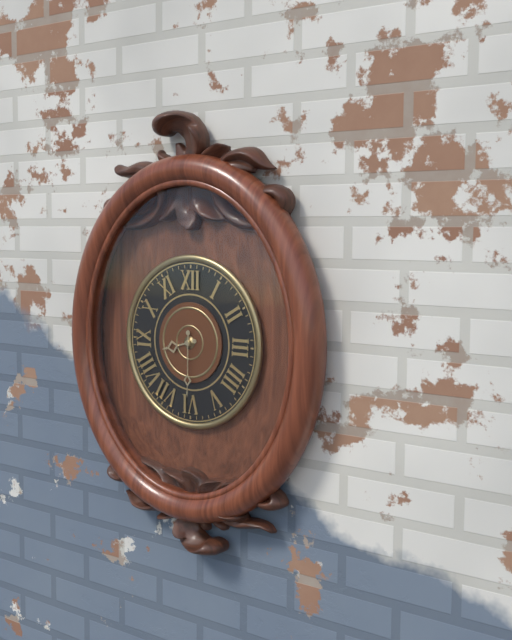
8.30
